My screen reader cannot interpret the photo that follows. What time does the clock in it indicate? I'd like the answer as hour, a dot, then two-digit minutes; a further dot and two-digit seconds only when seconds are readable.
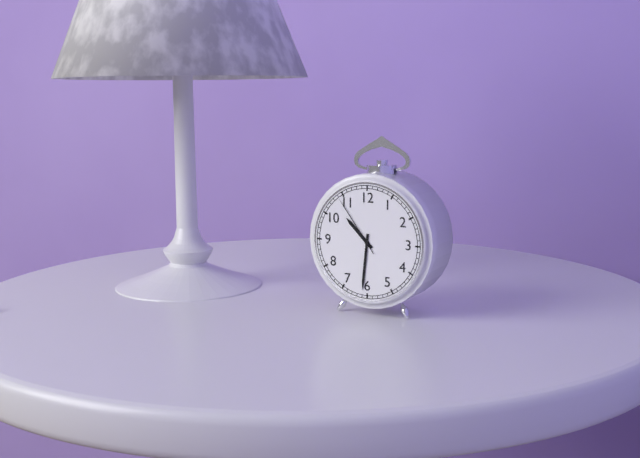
10.31.54
